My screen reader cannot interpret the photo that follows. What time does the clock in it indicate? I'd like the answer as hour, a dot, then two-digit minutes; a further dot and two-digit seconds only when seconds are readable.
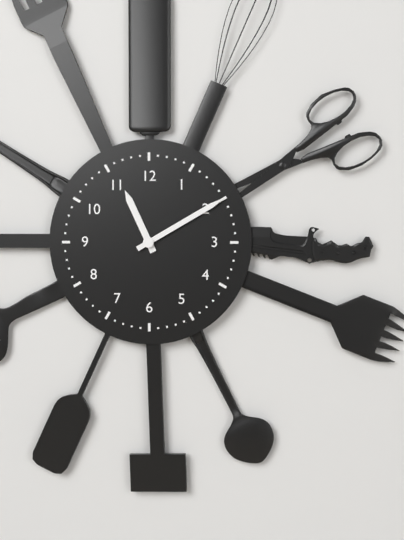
11.10
